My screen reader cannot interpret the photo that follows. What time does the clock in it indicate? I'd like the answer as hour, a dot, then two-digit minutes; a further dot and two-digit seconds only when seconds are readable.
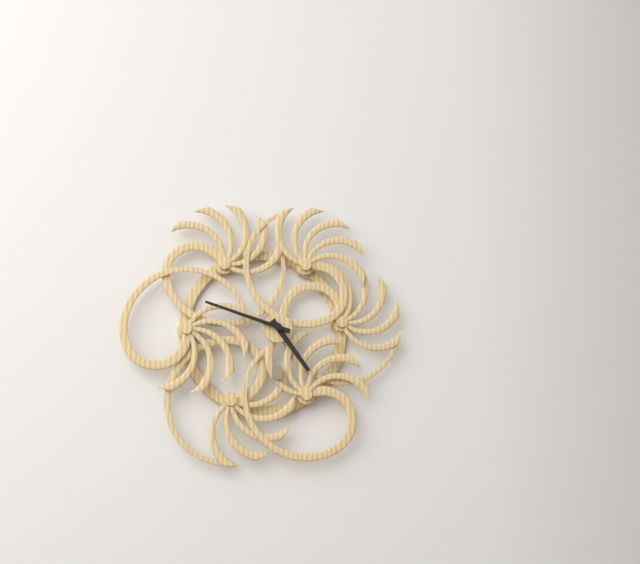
4.48
